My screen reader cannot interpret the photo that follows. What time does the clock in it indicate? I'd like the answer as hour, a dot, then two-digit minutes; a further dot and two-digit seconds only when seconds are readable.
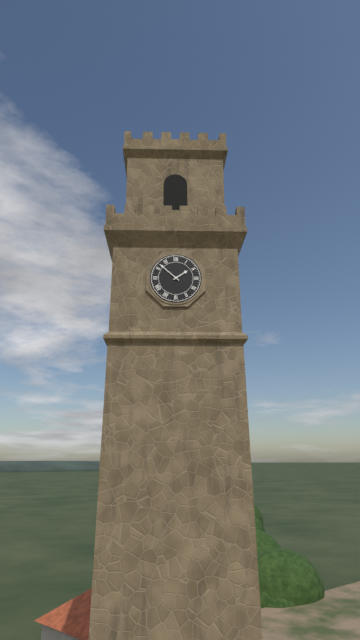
1.52
